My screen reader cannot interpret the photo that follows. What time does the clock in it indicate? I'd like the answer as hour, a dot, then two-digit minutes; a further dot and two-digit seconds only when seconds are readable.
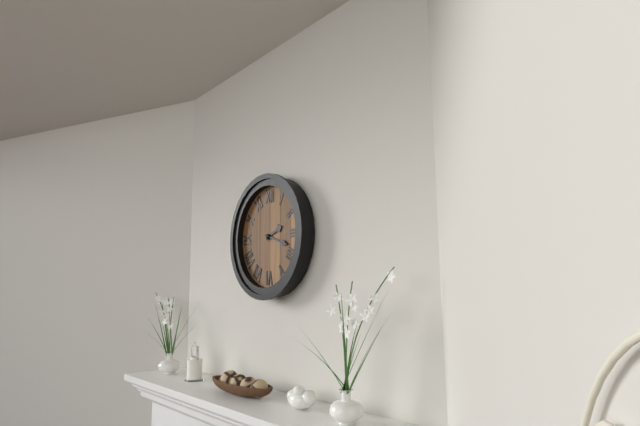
2.18
